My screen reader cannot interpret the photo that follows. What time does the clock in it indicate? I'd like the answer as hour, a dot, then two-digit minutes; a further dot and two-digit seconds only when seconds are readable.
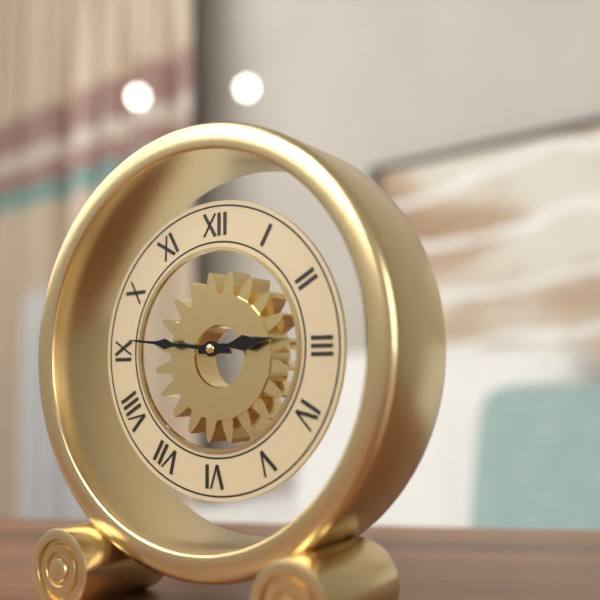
2.46
